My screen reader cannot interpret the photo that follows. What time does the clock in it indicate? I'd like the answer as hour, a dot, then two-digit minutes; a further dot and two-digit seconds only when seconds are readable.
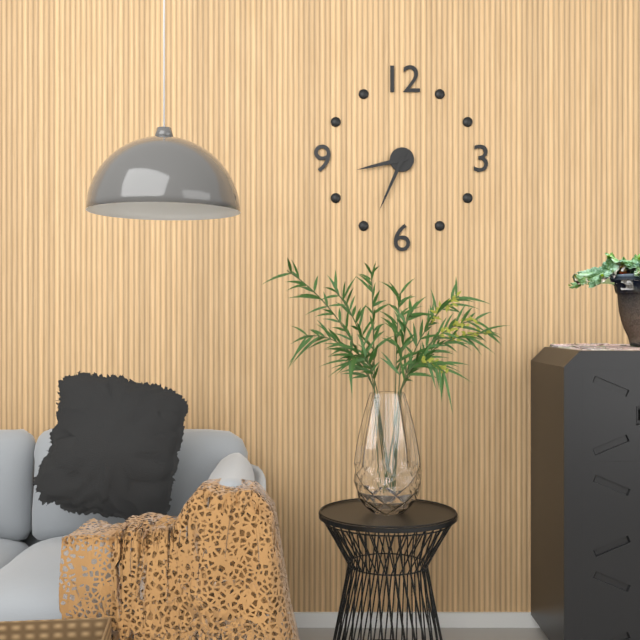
8.34
